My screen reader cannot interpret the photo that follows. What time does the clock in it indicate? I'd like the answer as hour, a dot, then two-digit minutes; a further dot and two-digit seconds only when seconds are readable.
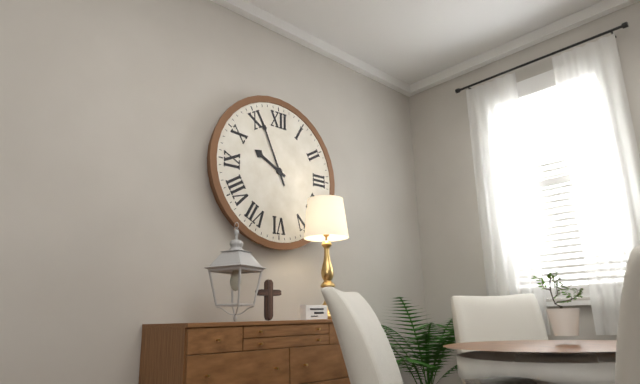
9.56
